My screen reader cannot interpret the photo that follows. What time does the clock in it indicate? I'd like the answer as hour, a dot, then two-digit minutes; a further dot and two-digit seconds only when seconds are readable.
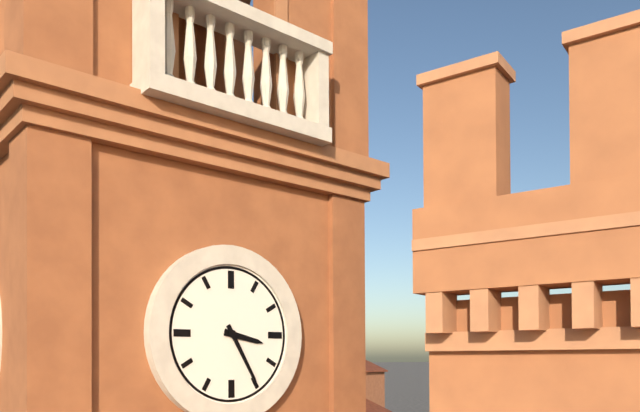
3.25
